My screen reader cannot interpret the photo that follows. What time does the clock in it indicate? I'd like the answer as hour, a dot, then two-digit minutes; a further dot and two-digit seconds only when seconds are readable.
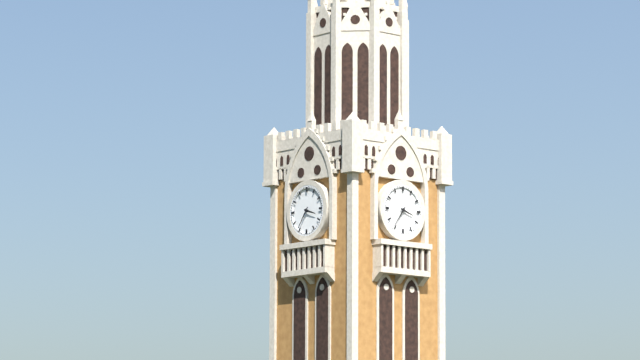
3.36
